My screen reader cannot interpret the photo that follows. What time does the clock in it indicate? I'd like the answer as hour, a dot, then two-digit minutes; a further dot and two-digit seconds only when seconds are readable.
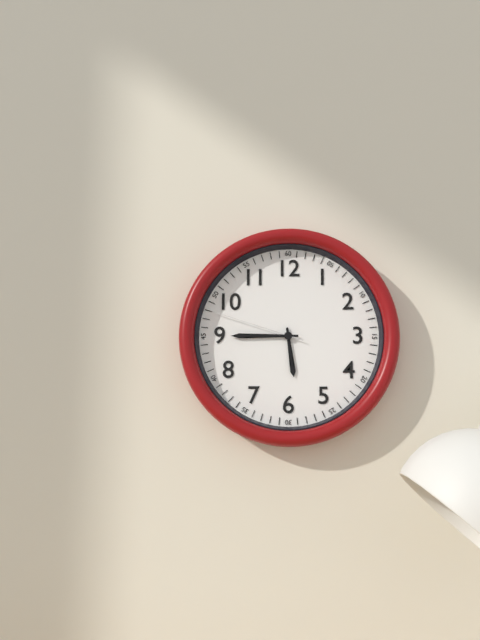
5.45.48
